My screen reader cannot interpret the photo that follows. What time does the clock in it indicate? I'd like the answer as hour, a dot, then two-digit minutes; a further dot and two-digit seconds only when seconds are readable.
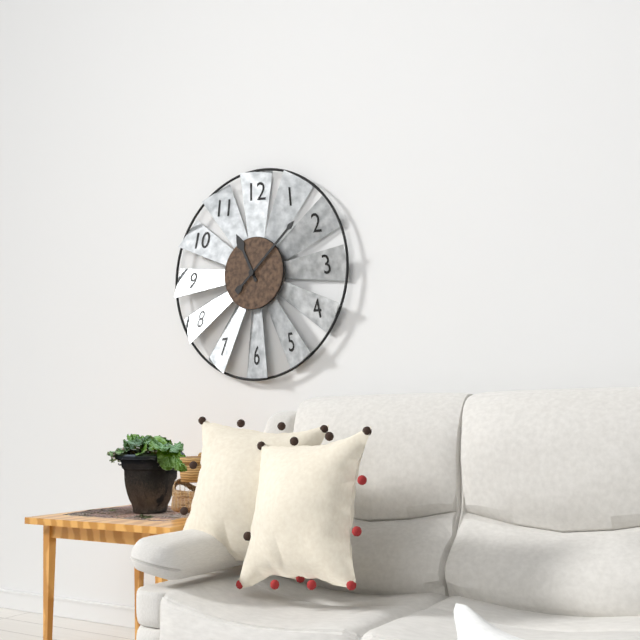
11.08
